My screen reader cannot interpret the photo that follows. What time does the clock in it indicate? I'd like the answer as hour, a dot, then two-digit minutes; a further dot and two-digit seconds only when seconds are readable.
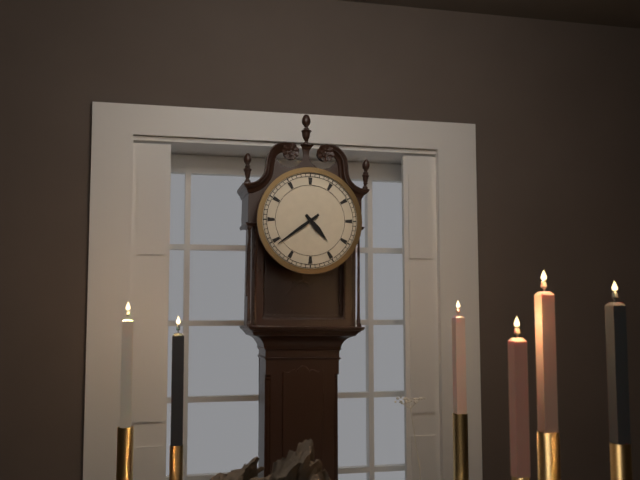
4.39
